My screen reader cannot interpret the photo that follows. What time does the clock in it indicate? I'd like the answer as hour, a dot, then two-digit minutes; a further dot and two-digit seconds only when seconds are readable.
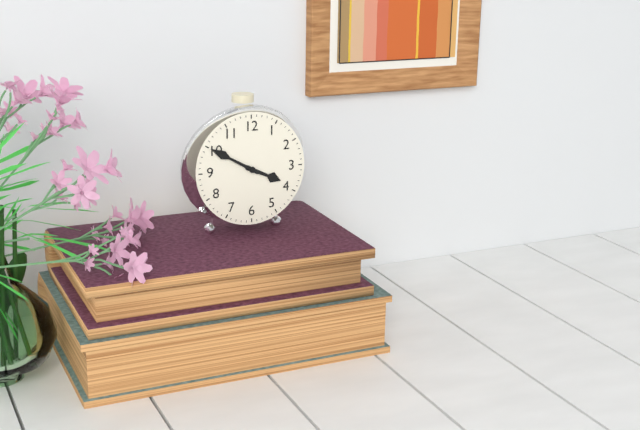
3.50
